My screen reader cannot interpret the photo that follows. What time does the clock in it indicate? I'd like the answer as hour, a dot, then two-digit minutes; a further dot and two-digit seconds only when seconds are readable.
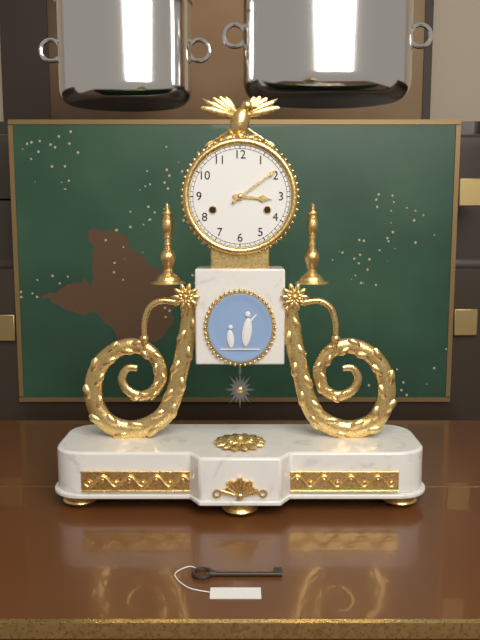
3.09
